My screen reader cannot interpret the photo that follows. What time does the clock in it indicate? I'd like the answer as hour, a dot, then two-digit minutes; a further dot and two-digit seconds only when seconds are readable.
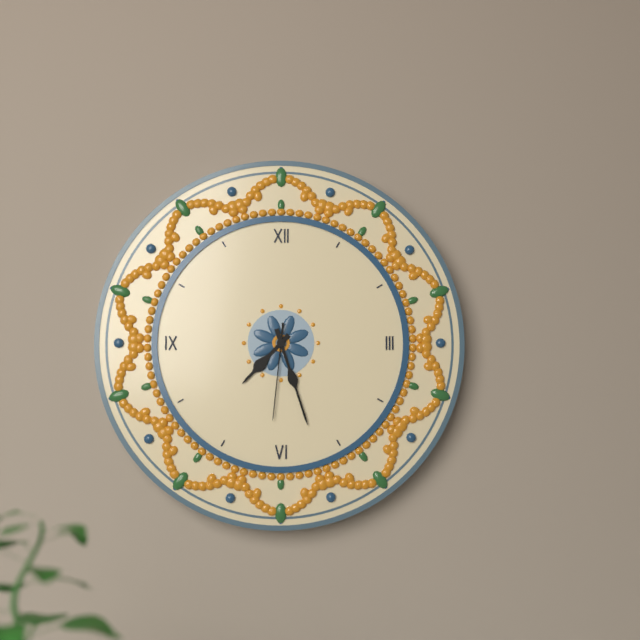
7.27.31
